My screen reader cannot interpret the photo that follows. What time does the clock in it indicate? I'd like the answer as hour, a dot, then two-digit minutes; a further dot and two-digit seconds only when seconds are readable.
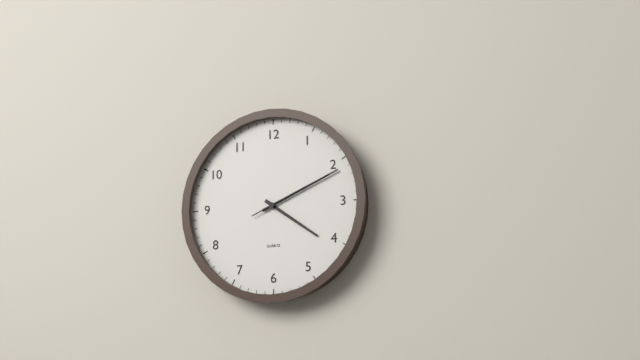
4.11.11
